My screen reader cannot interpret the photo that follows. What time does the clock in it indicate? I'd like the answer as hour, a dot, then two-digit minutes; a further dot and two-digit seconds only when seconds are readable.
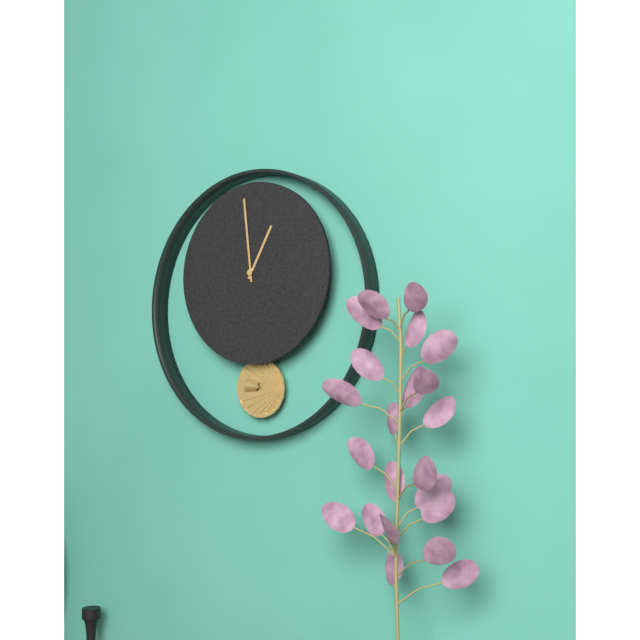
12.59
